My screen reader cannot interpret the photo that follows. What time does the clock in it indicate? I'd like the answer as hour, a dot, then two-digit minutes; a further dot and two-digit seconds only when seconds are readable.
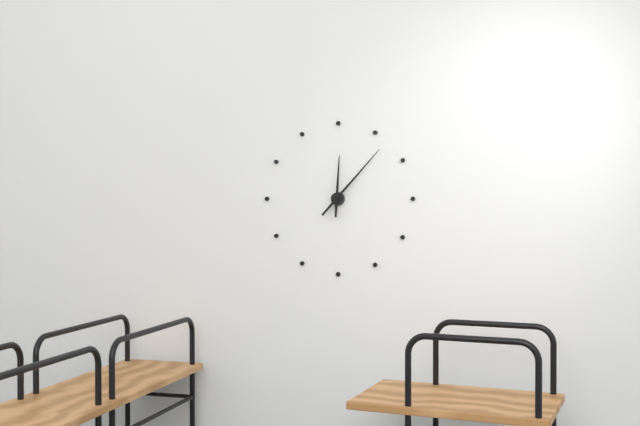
12.07
